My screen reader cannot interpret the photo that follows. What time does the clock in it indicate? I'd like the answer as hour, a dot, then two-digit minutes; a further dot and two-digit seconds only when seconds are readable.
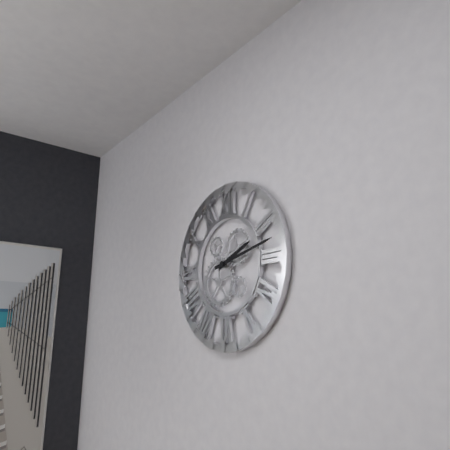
2.13
